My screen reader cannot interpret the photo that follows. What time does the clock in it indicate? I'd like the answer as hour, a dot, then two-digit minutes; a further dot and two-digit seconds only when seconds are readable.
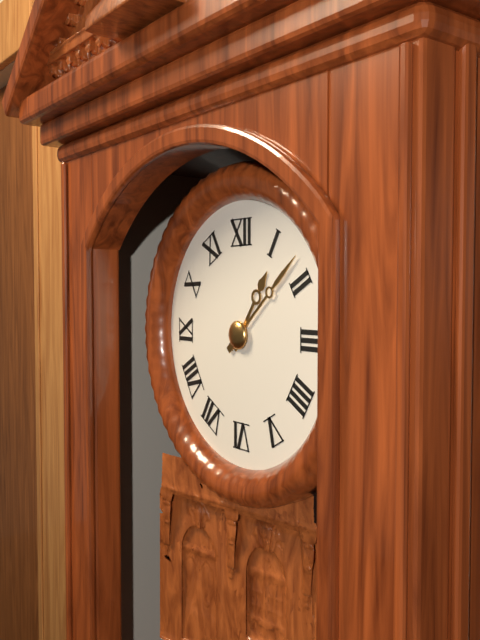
1.08
